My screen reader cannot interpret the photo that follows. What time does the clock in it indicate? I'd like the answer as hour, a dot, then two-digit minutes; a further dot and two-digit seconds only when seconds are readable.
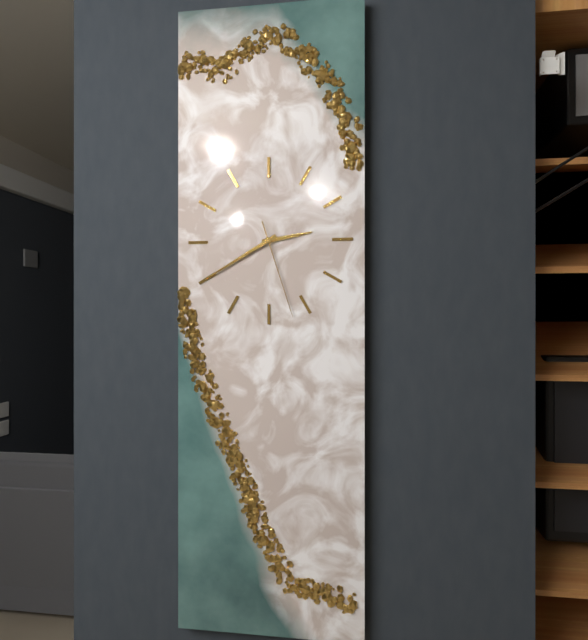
2.40.27
